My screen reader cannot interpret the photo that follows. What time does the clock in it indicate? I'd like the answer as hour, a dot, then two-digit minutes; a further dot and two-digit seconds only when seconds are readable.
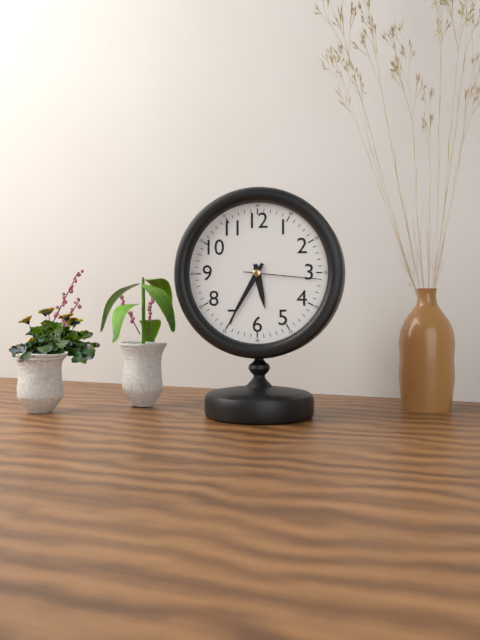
5.35.16
